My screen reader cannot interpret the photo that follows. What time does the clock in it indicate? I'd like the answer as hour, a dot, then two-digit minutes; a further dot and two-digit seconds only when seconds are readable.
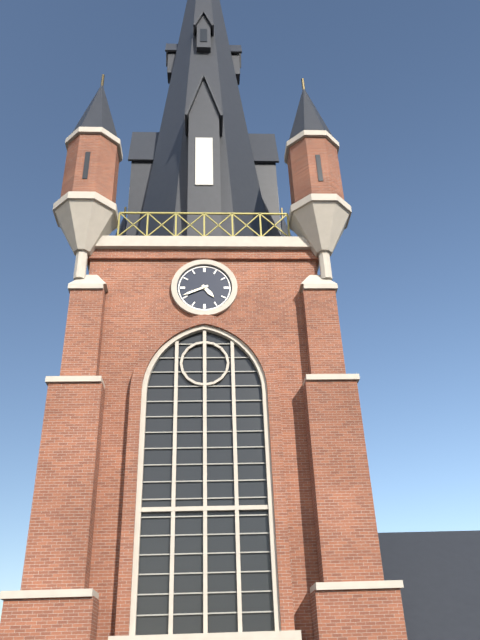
4.41
